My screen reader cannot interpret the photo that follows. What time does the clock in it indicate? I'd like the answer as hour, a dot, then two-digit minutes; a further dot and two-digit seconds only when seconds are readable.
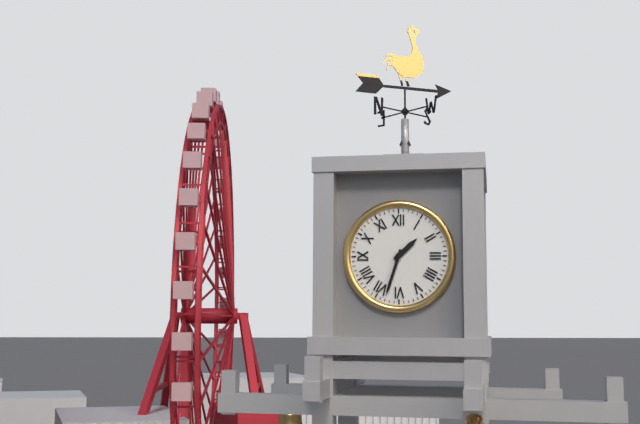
1.33
